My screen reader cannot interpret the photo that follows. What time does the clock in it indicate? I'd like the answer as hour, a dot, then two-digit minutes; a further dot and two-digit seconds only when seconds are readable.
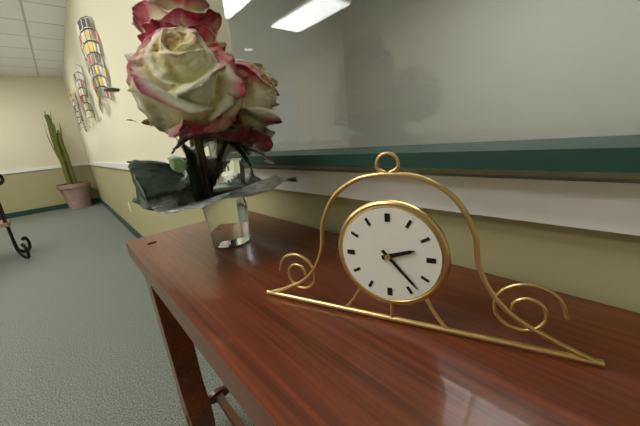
2.23
